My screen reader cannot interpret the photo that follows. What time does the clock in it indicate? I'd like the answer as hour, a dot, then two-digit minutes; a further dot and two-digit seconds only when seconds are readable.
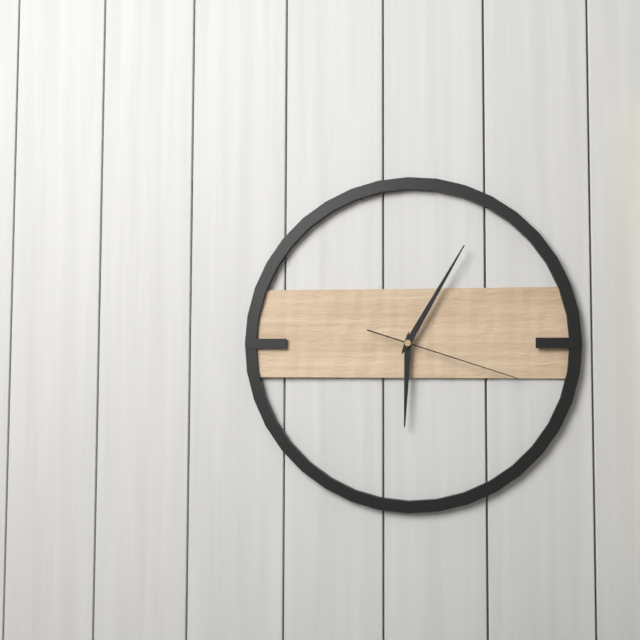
6.05.18
